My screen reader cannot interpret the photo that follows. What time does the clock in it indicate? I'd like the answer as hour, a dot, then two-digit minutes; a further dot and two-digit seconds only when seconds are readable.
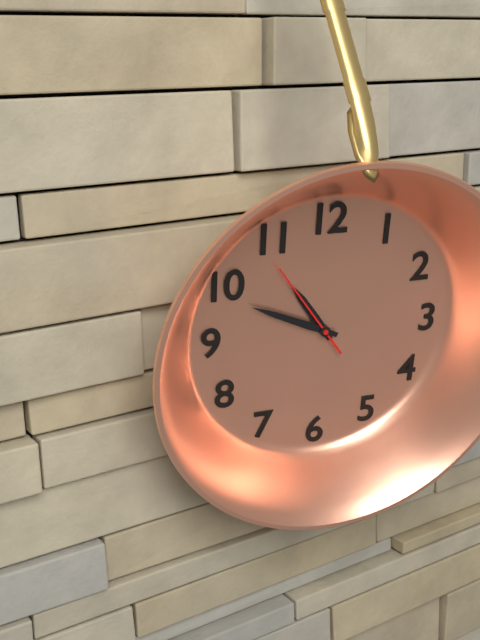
10.49.54
